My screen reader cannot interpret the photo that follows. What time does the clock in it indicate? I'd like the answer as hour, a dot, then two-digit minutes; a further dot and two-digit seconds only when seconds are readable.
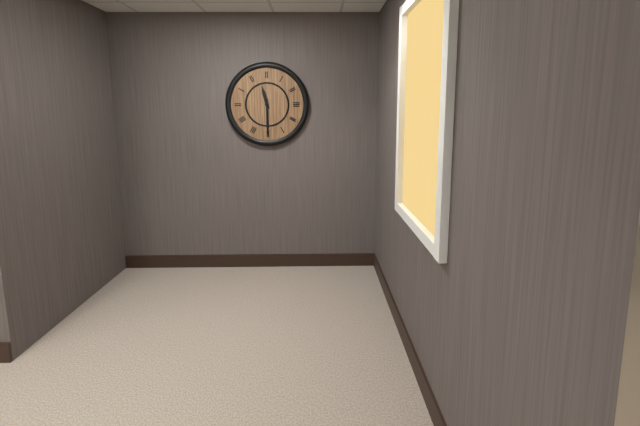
11.30
